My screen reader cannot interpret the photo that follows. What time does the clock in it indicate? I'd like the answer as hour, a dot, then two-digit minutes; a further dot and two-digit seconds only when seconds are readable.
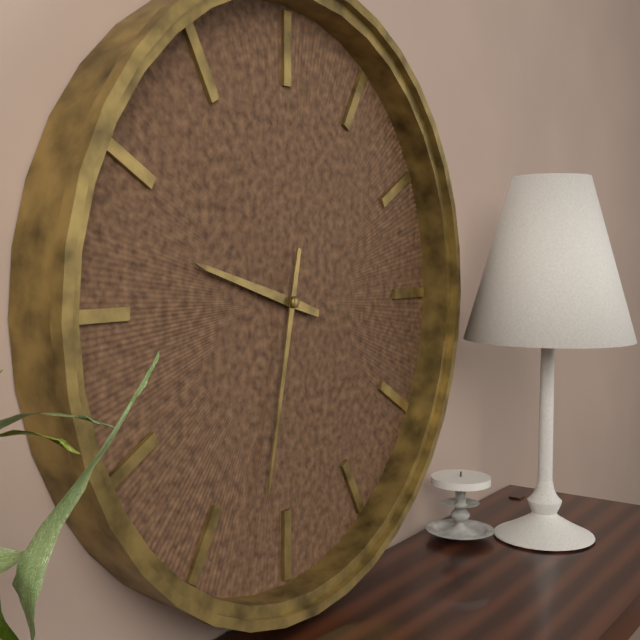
9.32
